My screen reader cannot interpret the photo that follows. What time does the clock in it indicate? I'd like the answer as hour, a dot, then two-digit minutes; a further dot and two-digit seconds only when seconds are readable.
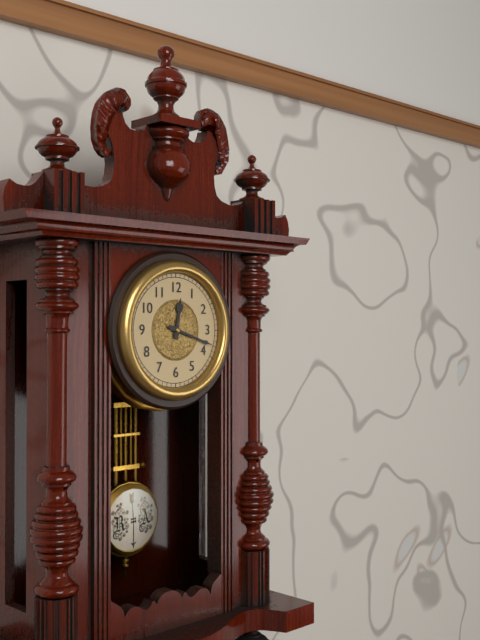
12.18
